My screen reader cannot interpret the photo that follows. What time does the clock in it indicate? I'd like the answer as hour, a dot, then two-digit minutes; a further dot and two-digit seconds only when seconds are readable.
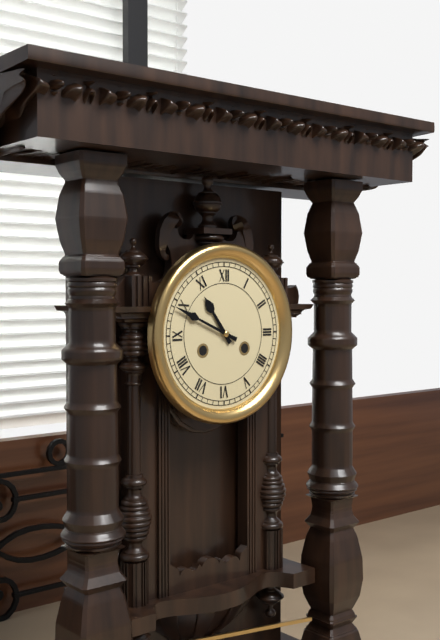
10.49
